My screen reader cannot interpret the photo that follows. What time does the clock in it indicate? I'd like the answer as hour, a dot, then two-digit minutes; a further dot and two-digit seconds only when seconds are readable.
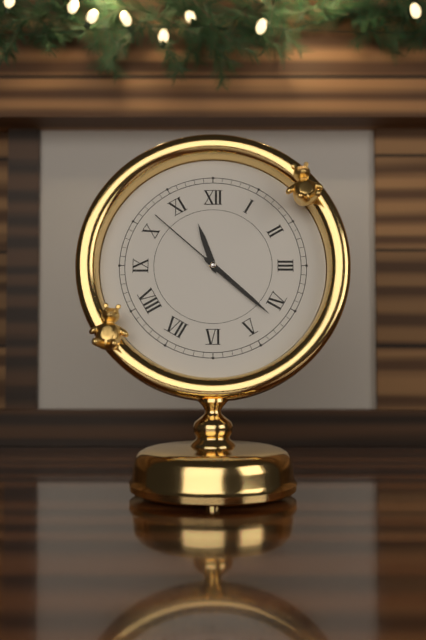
11.22.52
